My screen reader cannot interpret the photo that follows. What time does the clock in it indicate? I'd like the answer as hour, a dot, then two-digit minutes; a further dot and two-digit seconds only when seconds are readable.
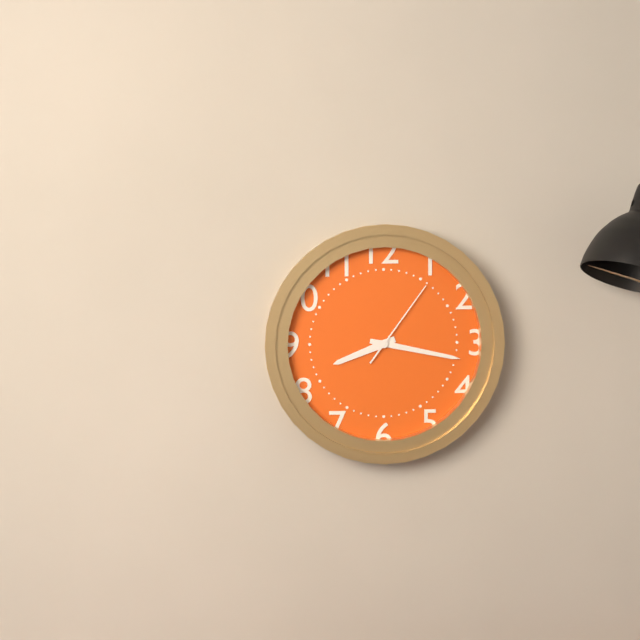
8.17.06
